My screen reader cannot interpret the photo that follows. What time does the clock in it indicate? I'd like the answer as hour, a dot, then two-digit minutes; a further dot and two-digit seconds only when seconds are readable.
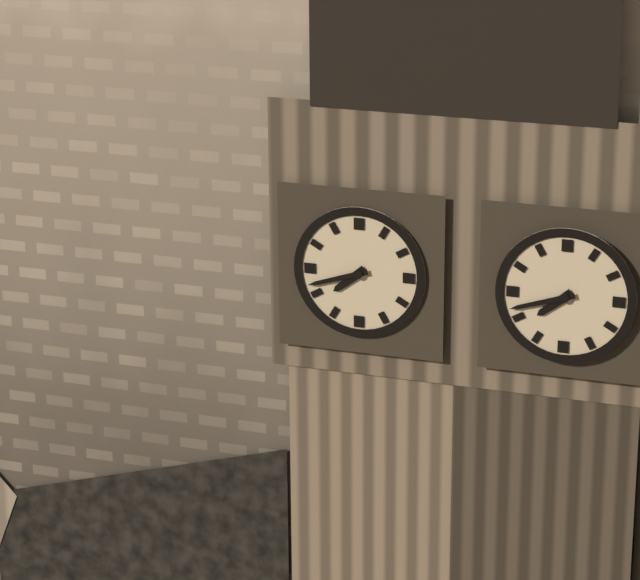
7.42
